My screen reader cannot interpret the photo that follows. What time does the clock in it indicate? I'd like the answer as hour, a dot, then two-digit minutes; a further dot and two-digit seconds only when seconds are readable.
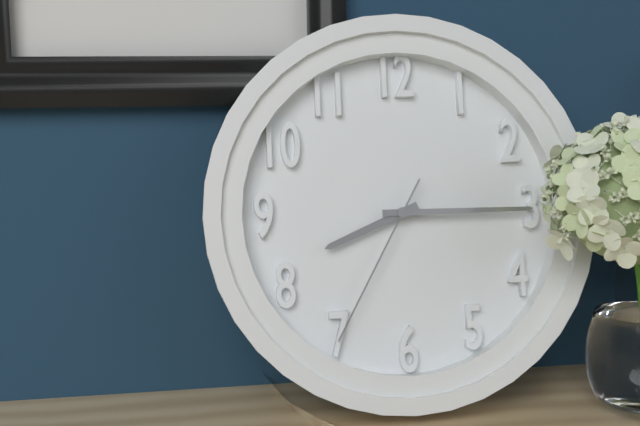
8.15.35
